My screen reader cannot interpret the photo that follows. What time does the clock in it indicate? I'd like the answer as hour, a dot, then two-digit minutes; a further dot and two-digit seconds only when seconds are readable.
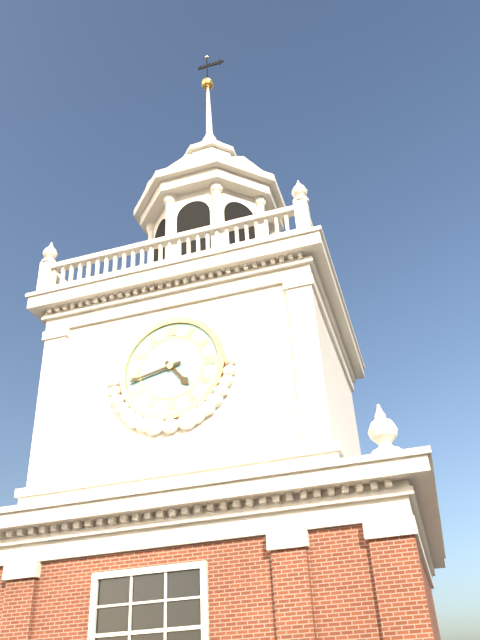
4.43
